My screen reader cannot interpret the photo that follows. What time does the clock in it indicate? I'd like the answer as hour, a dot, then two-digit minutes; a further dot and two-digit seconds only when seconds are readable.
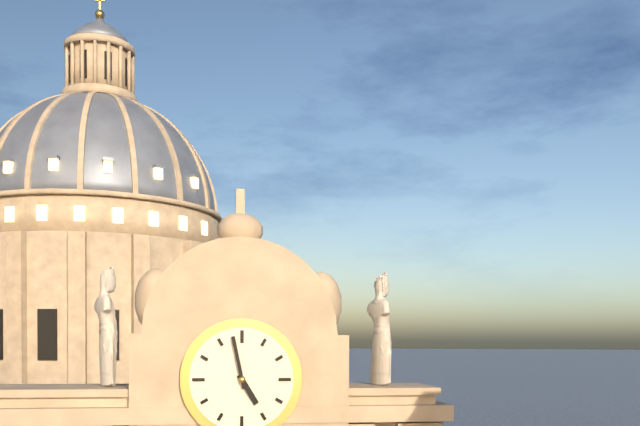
4.58
